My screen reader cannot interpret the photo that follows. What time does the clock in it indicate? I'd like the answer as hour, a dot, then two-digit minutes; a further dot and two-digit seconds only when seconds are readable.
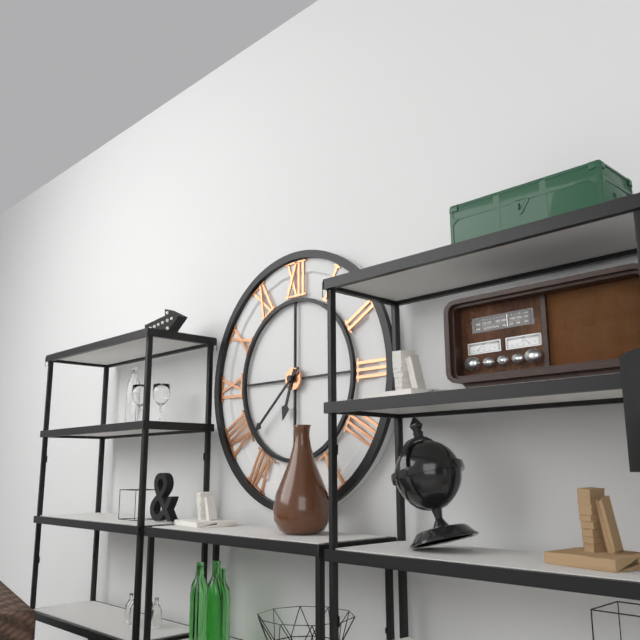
6.38
